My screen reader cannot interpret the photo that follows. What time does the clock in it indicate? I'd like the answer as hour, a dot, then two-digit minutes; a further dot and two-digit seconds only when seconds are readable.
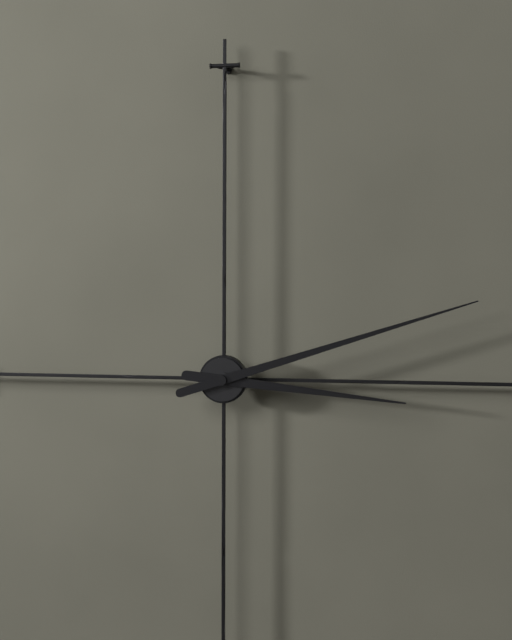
3.12
